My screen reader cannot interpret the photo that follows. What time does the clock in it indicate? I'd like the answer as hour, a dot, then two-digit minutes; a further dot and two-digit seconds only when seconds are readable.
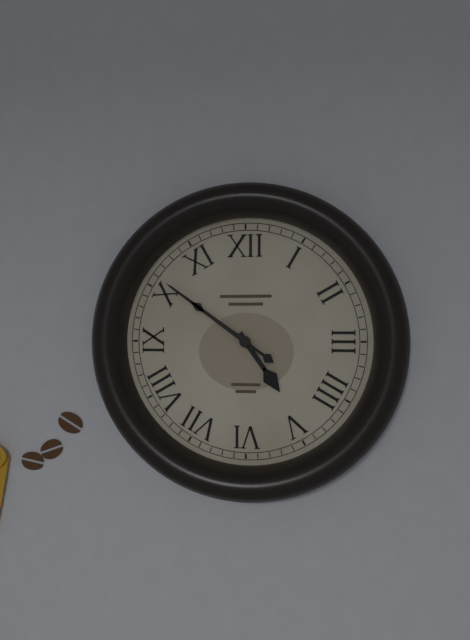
4.51
